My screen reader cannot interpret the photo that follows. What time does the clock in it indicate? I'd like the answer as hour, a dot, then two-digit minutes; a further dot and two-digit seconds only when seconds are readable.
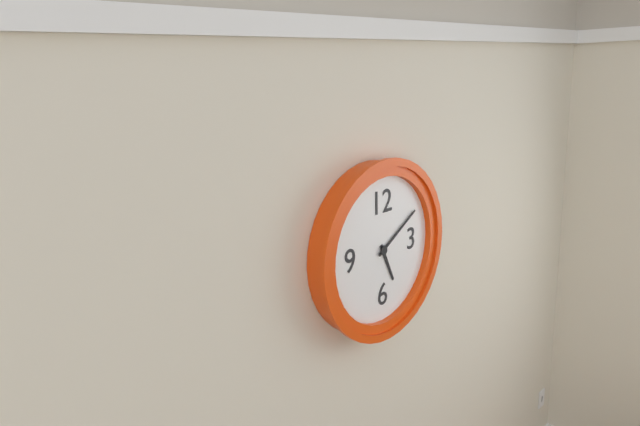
5.10
